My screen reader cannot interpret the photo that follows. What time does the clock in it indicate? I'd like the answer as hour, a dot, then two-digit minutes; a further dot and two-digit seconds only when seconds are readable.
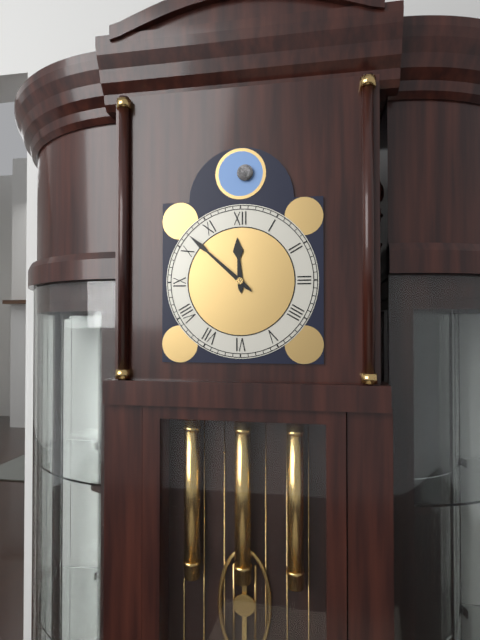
11.52
